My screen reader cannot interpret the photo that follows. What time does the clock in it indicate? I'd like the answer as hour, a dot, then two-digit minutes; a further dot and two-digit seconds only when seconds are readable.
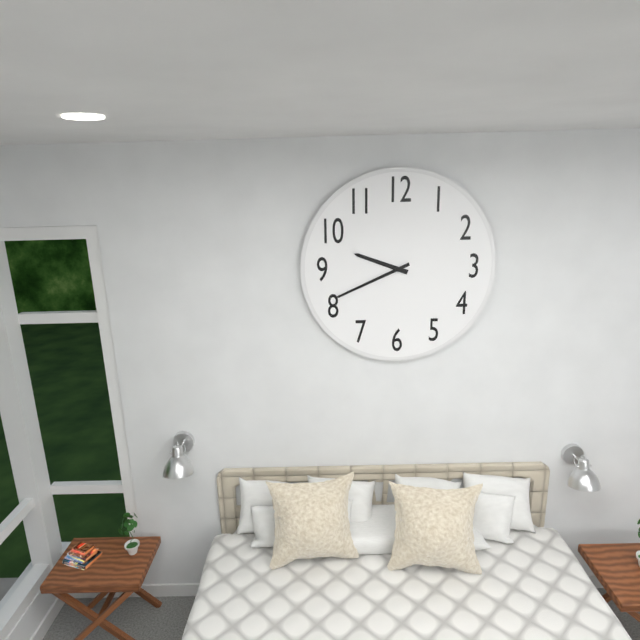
9.41
